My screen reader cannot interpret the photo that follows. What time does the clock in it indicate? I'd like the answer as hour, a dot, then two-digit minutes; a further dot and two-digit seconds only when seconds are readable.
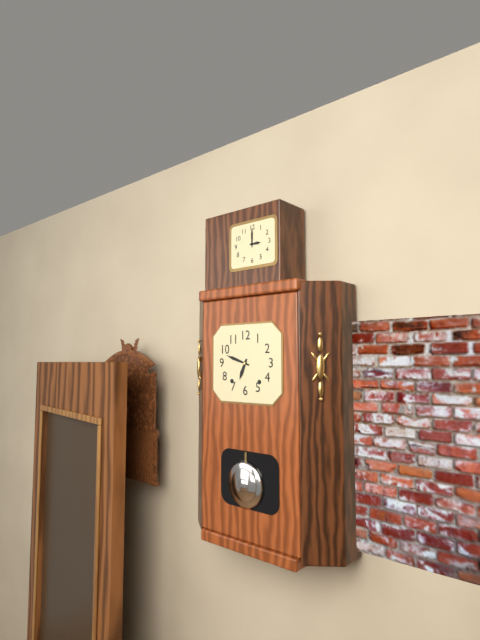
6.48
